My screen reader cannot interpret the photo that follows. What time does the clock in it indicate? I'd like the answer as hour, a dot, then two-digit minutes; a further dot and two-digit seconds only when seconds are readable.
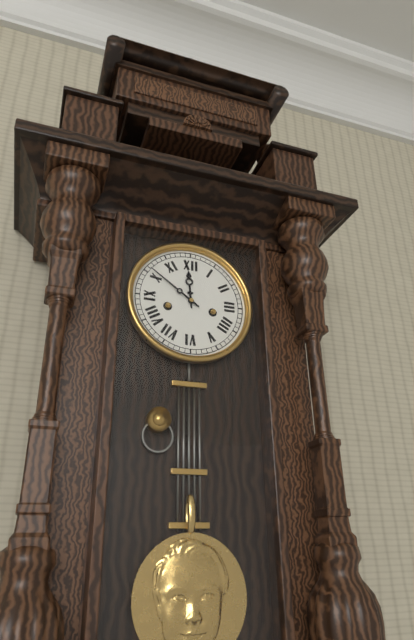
11.51
